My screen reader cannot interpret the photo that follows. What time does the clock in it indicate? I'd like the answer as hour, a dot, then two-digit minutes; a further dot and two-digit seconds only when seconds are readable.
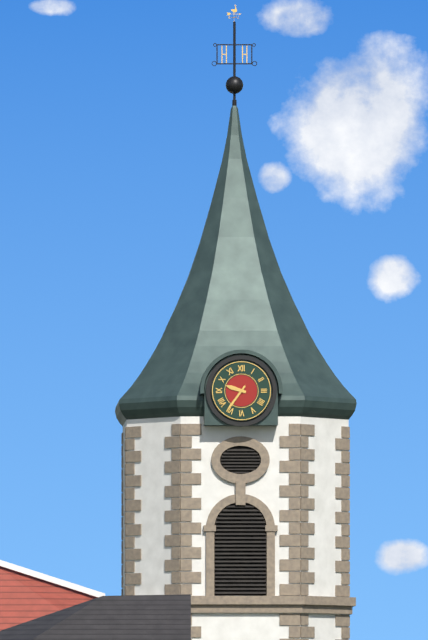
9.36
